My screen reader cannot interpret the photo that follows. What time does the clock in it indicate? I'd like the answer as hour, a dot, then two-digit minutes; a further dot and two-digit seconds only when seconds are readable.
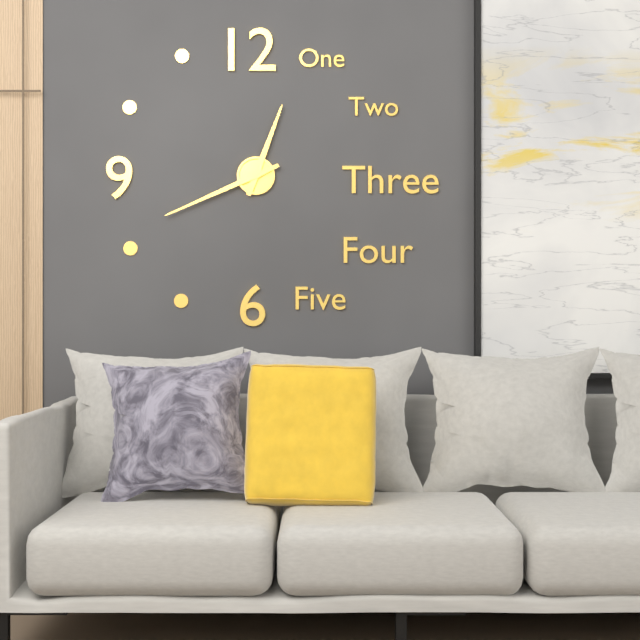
12.41
